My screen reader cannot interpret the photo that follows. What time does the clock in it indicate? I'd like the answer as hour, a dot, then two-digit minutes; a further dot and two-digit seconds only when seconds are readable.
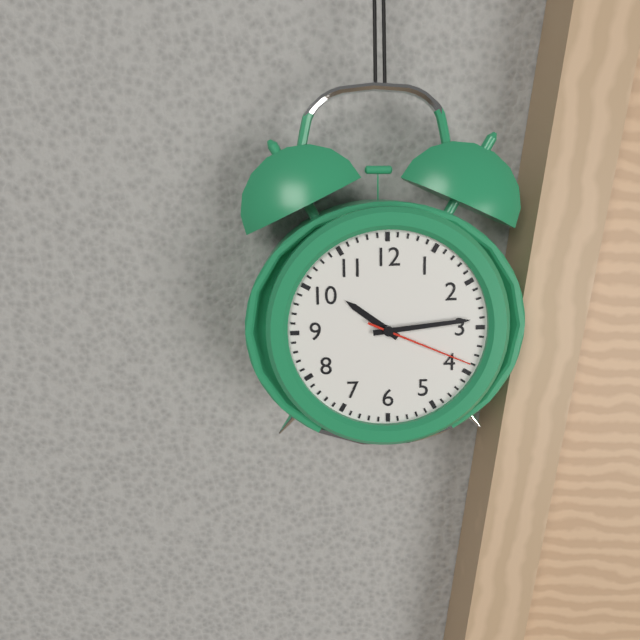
10.14.19
